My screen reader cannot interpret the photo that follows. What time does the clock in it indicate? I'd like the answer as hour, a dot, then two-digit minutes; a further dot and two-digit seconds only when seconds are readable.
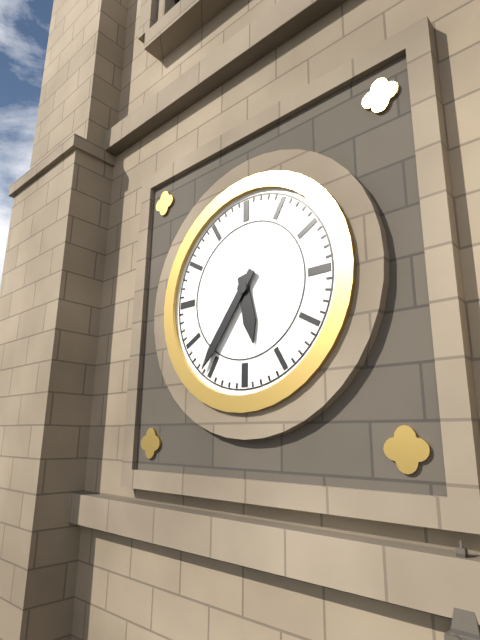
5.36
